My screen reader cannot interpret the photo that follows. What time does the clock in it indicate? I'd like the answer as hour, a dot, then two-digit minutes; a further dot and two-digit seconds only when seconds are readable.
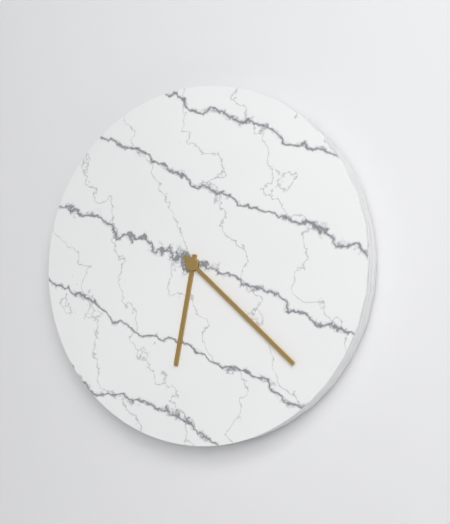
6.22
